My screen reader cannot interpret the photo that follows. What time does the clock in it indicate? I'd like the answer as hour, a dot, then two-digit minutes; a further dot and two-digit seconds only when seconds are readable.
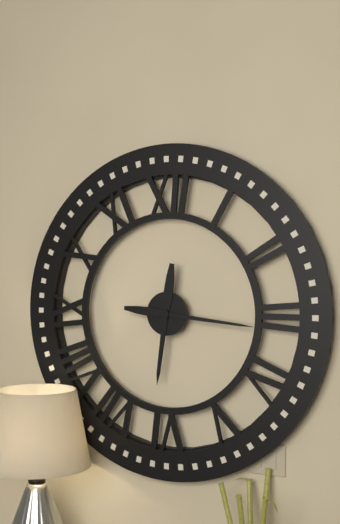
6.16
